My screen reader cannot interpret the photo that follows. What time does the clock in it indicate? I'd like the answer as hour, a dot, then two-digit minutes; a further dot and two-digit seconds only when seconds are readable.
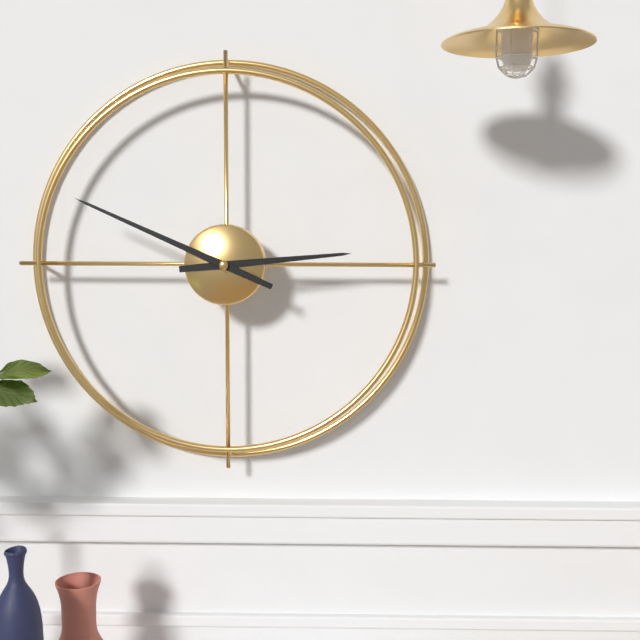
2.49
